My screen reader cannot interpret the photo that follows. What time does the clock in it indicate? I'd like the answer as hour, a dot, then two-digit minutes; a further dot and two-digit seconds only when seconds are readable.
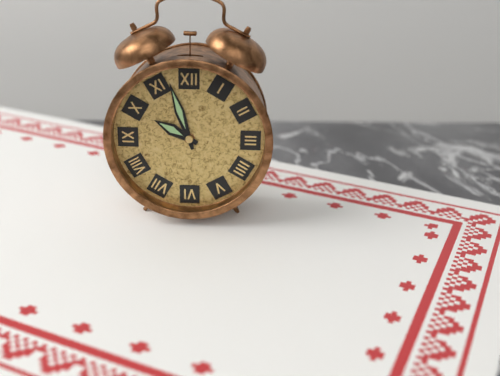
9.57
